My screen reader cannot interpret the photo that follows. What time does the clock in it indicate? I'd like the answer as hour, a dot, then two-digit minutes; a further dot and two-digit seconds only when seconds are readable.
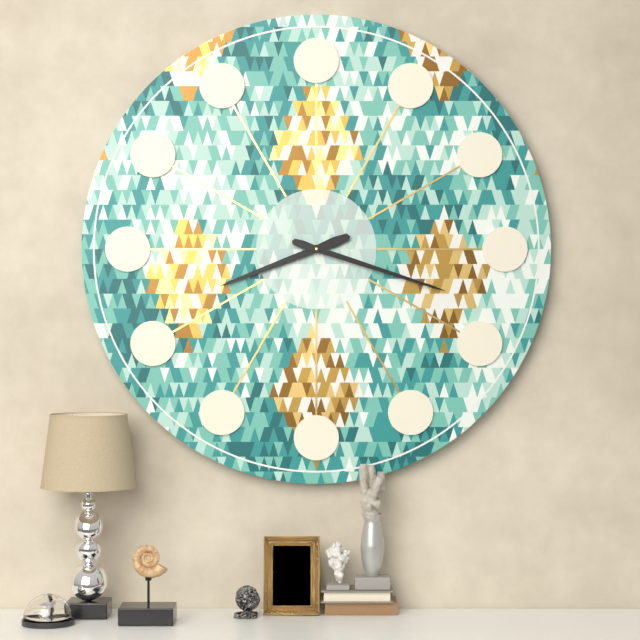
8.18
